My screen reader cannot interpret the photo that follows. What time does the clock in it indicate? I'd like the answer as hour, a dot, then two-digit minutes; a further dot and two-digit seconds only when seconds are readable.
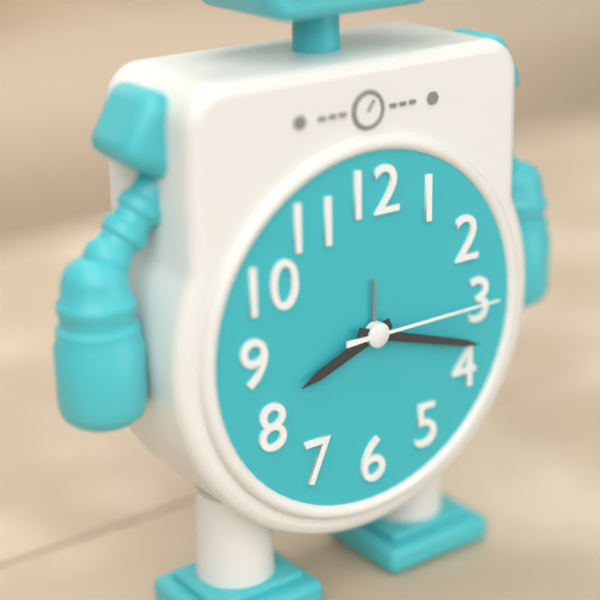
8.18.15
